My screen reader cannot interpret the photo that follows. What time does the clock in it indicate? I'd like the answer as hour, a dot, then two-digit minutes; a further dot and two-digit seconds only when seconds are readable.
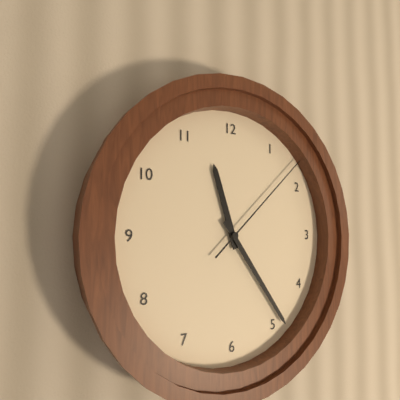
11.24.08
